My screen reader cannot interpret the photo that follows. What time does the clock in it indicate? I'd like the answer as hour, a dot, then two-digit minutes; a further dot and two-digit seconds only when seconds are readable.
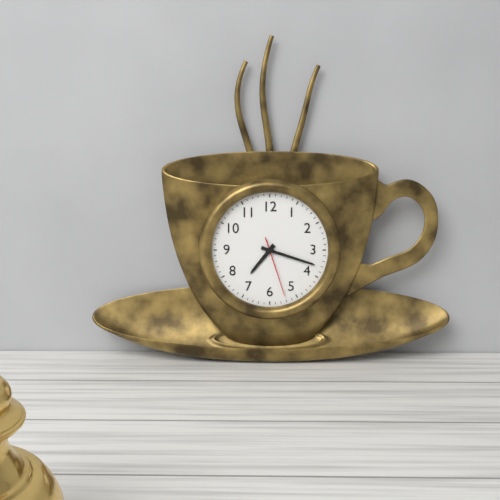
7.18.27
